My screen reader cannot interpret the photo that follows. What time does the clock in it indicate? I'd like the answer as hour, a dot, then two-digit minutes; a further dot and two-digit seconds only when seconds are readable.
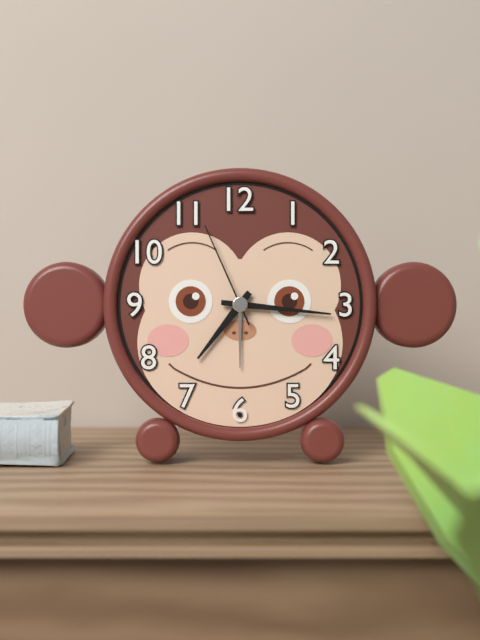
7.16.56
